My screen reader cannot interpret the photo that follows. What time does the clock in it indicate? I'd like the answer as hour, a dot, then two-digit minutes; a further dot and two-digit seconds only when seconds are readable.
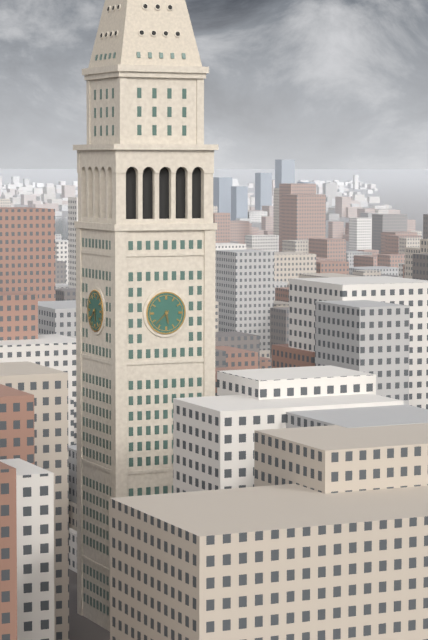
5.38
